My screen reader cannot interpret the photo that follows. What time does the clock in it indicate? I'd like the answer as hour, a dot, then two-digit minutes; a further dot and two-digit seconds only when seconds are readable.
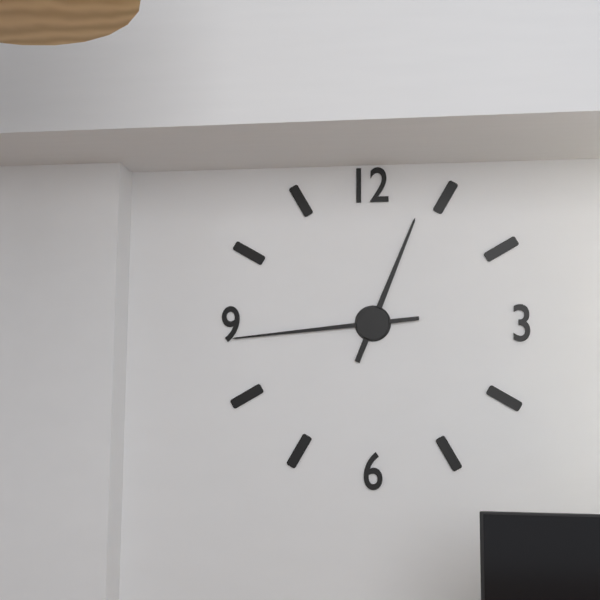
12.44
